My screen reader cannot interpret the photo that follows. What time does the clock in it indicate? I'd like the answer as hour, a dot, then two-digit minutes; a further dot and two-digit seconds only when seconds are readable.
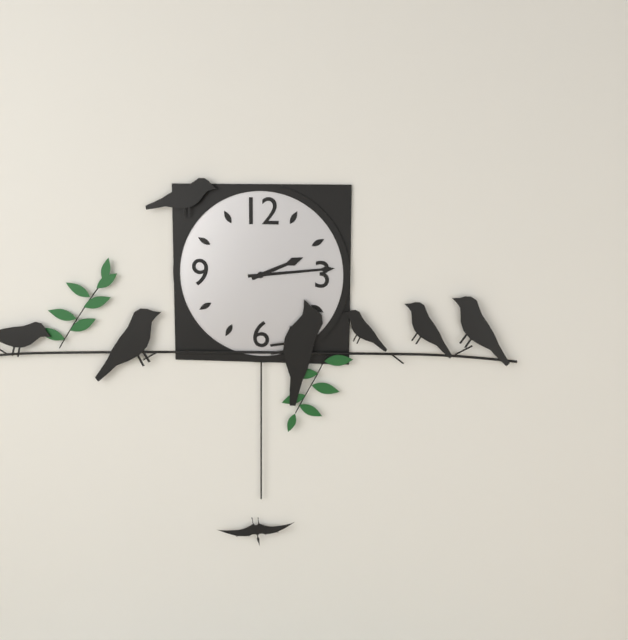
2.14
